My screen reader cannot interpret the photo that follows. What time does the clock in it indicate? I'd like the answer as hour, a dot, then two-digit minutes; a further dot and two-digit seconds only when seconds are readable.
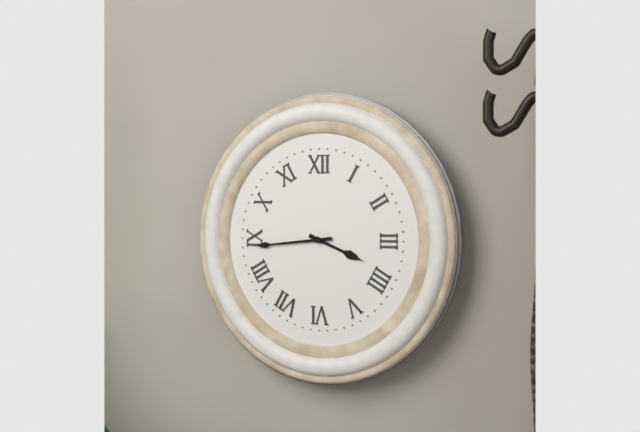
3.44
